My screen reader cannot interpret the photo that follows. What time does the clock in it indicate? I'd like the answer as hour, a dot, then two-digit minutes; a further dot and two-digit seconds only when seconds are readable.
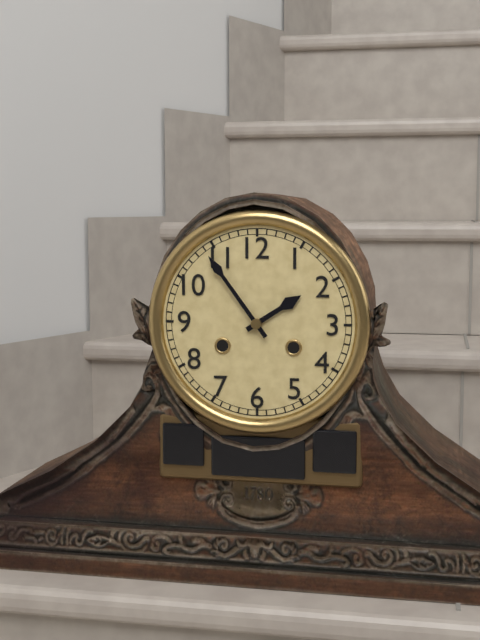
1.54
